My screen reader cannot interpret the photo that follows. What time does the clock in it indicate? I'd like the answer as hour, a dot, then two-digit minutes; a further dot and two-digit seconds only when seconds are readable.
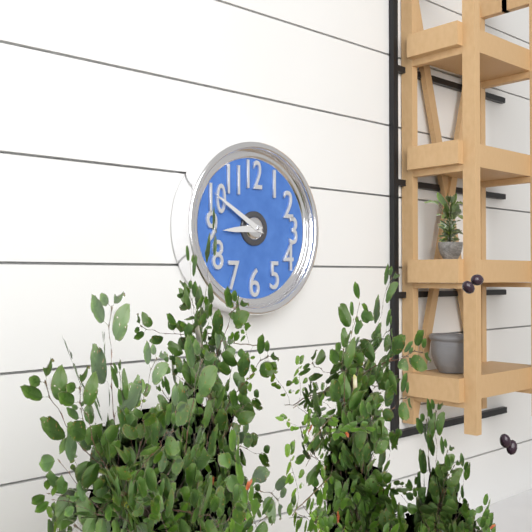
8.50
